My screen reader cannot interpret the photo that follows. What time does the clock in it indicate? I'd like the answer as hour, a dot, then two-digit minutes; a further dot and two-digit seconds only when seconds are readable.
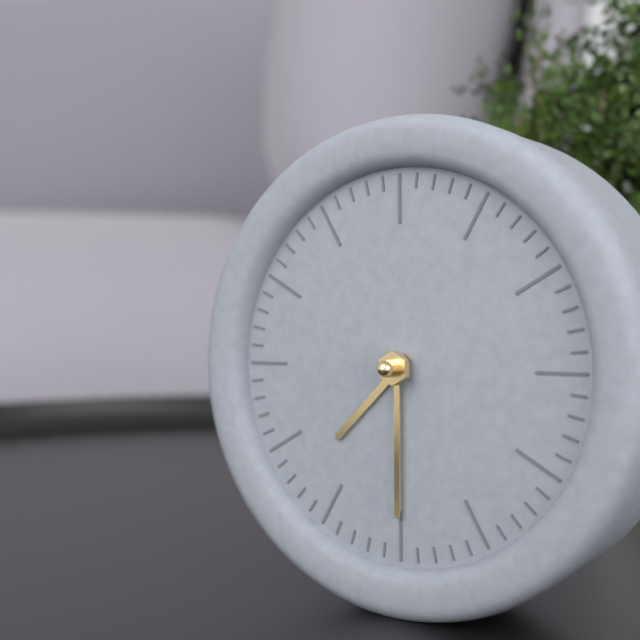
7.30
